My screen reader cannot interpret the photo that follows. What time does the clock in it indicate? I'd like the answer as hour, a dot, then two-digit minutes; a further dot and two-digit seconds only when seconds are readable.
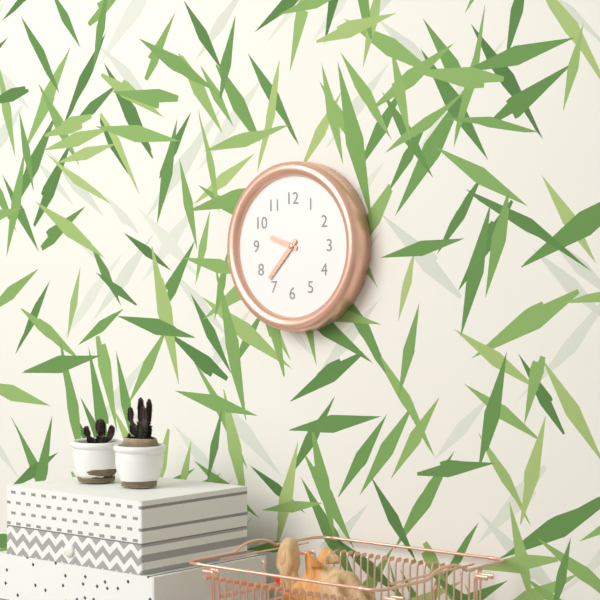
9.37
